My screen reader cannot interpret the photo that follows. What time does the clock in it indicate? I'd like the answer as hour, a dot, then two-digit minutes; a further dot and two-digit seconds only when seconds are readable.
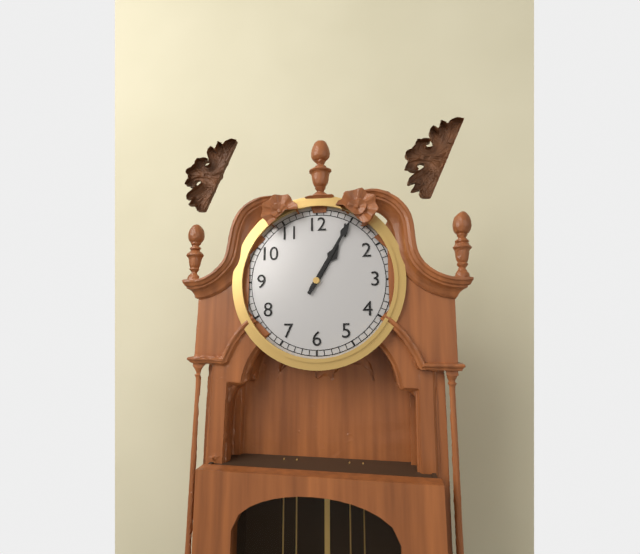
1.05
